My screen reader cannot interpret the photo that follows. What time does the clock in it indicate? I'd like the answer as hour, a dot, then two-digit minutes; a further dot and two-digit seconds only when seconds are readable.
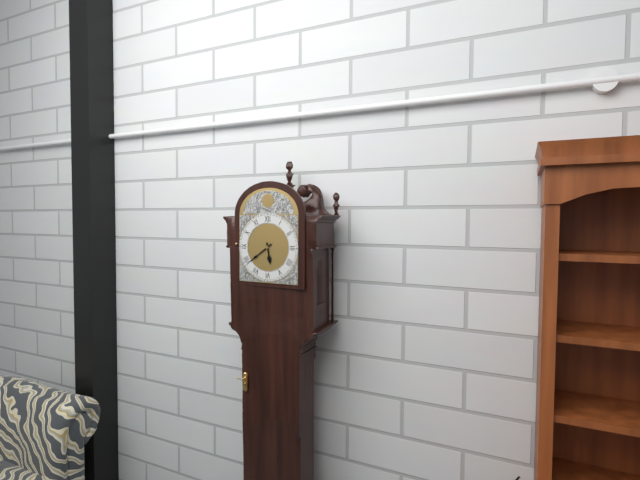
5.39
